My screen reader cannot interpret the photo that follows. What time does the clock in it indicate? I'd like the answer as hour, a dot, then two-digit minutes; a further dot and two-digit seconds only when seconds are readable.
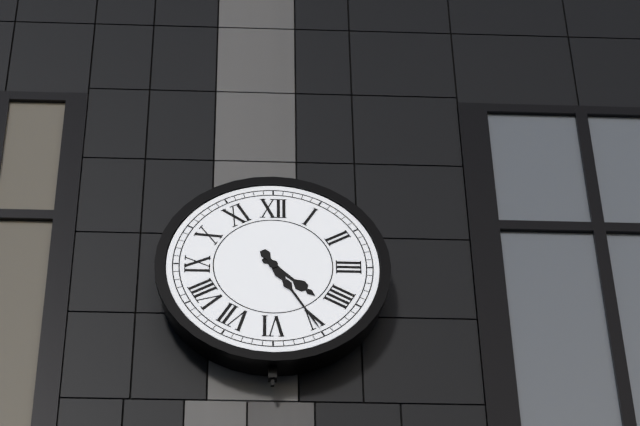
4.25
